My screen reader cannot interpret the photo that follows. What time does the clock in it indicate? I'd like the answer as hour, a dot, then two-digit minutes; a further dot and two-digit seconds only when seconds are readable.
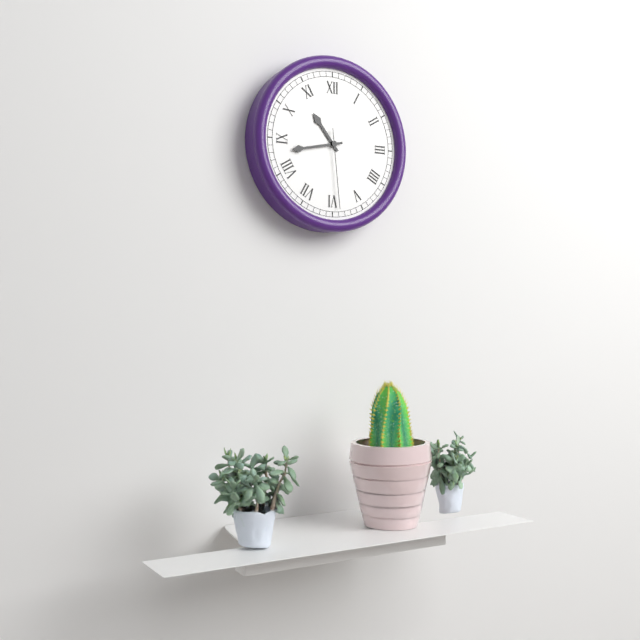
10.43.29
